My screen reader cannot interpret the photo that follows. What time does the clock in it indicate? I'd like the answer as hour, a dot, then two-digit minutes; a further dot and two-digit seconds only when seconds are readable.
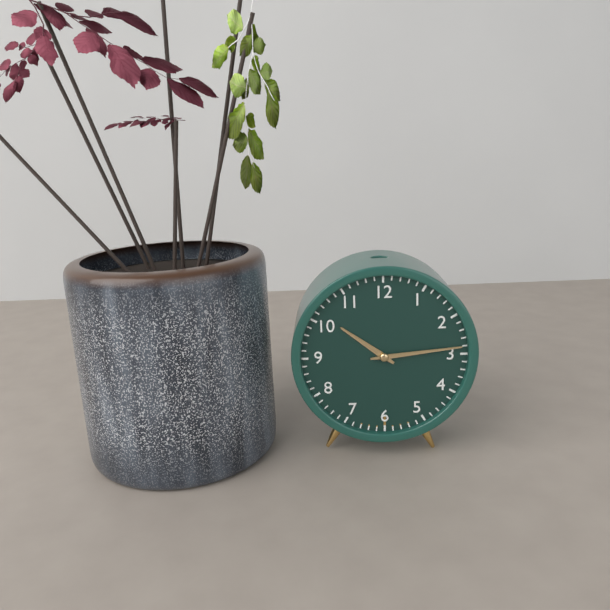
10.14
